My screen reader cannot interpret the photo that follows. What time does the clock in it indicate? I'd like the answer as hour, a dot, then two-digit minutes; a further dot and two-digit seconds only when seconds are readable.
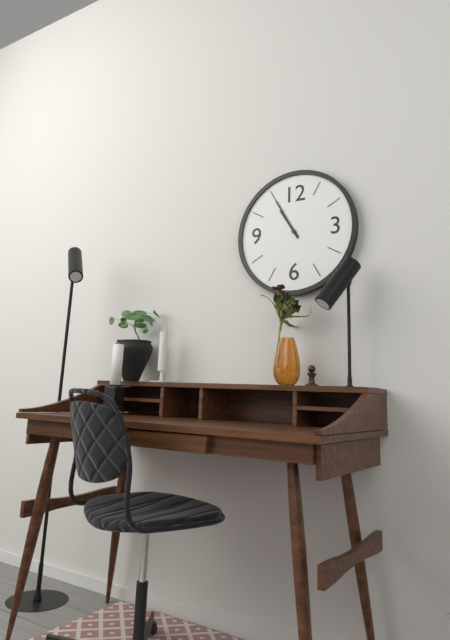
10.55
